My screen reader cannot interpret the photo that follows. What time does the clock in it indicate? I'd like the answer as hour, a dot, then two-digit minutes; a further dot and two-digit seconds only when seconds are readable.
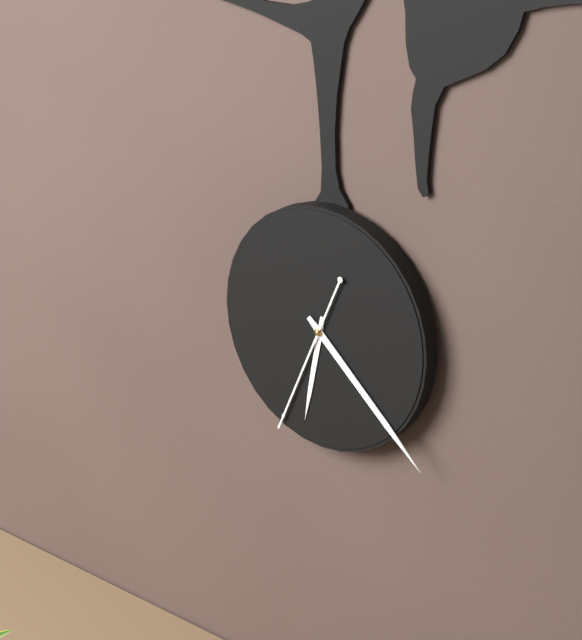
6.22.34
